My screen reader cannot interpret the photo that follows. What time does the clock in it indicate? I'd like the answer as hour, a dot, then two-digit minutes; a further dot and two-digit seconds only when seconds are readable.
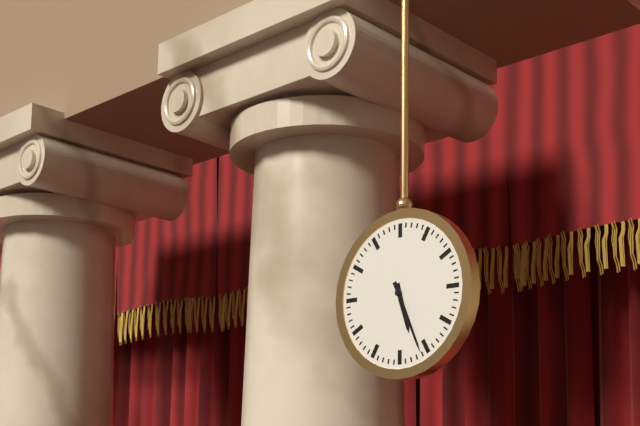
5.26
